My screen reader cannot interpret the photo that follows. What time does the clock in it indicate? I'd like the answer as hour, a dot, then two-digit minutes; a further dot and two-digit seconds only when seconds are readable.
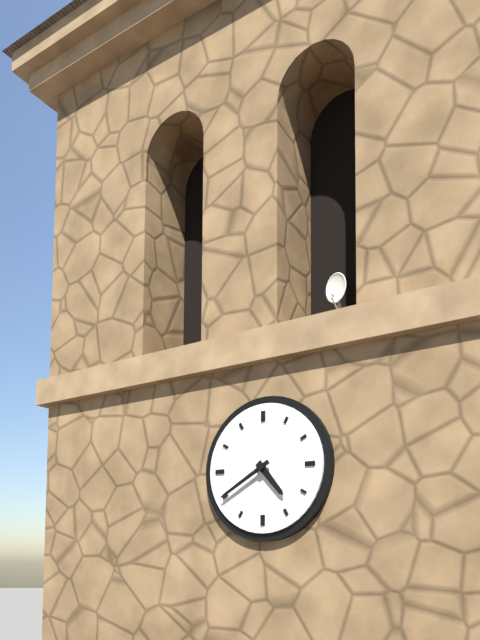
4.40
